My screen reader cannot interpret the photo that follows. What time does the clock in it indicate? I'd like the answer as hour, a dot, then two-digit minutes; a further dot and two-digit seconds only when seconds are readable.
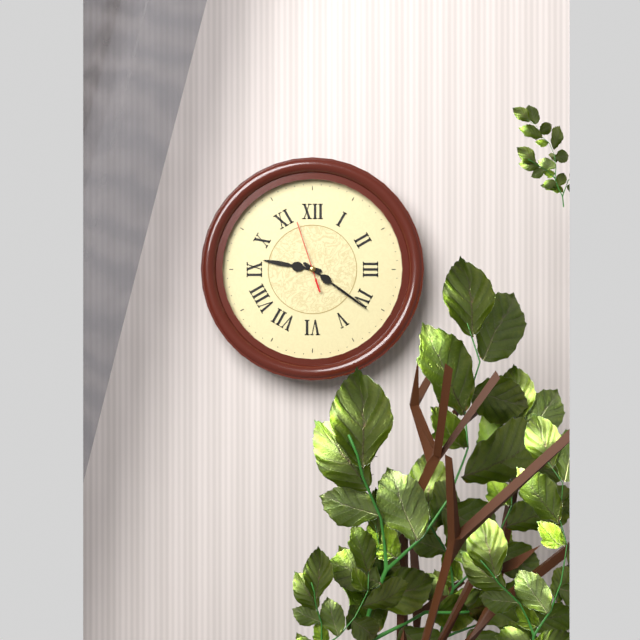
9.21.57
